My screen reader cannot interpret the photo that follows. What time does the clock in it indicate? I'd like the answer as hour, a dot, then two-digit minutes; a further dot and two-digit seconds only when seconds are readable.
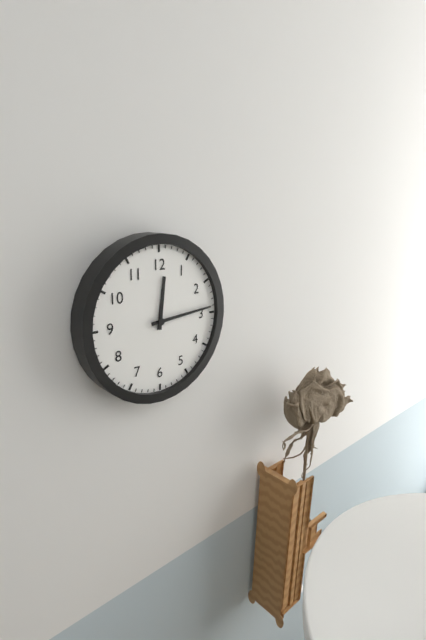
12.14
